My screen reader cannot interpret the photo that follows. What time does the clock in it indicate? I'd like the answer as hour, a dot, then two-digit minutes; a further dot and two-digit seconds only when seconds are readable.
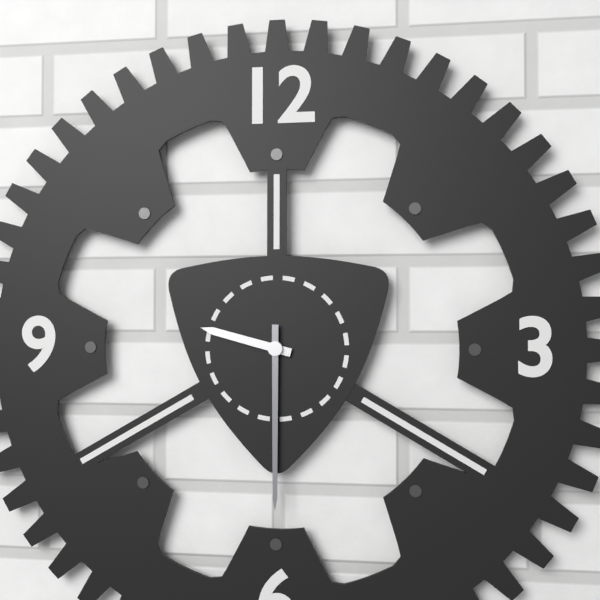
9.30
